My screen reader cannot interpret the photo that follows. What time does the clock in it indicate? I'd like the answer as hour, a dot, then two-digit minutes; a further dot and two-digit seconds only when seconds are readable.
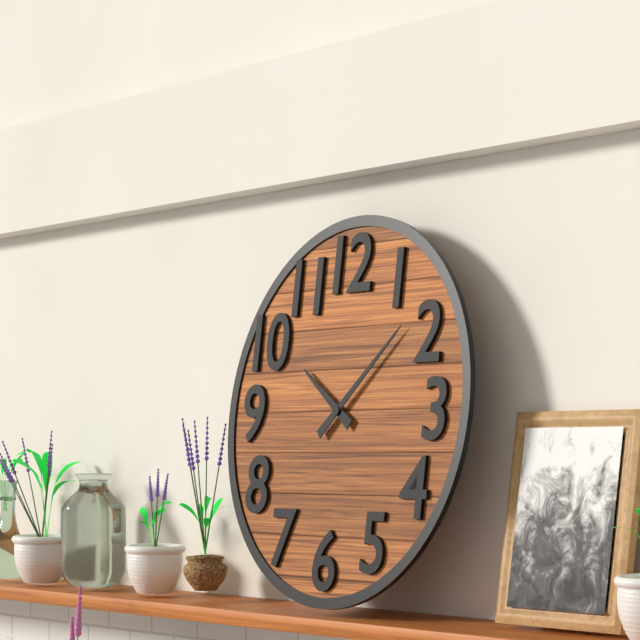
10.08
